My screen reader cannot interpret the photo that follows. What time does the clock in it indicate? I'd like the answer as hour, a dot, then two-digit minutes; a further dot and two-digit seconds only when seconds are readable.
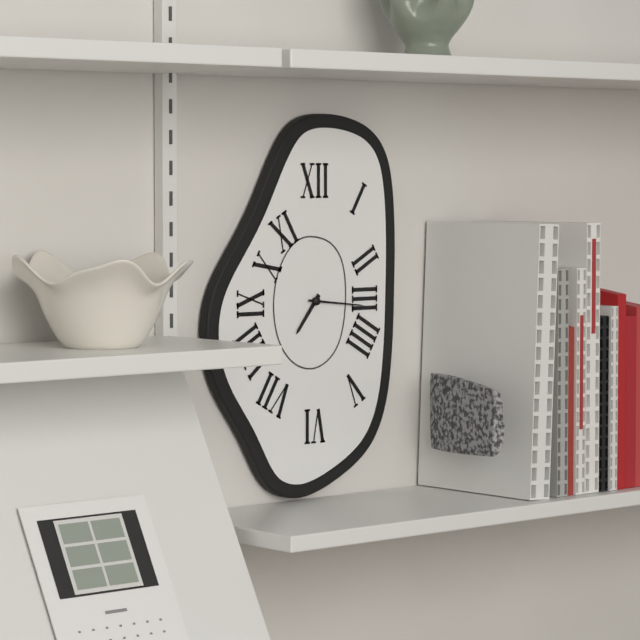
7.16
